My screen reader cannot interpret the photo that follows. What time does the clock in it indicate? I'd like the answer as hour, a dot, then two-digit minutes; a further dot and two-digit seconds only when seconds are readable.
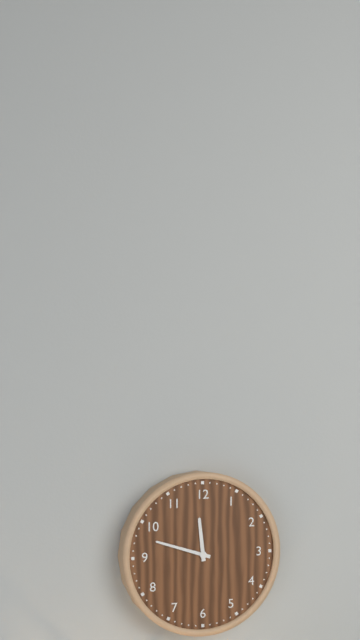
11.48
